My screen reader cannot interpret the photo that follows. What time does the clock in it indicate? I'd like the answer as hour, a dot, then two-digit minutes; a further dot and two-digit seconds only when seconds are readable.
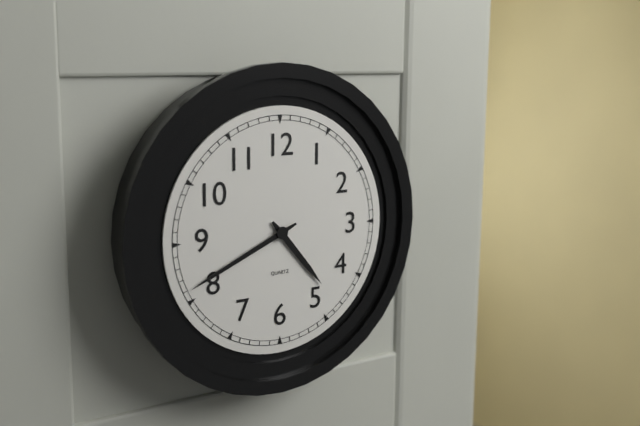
4.41
